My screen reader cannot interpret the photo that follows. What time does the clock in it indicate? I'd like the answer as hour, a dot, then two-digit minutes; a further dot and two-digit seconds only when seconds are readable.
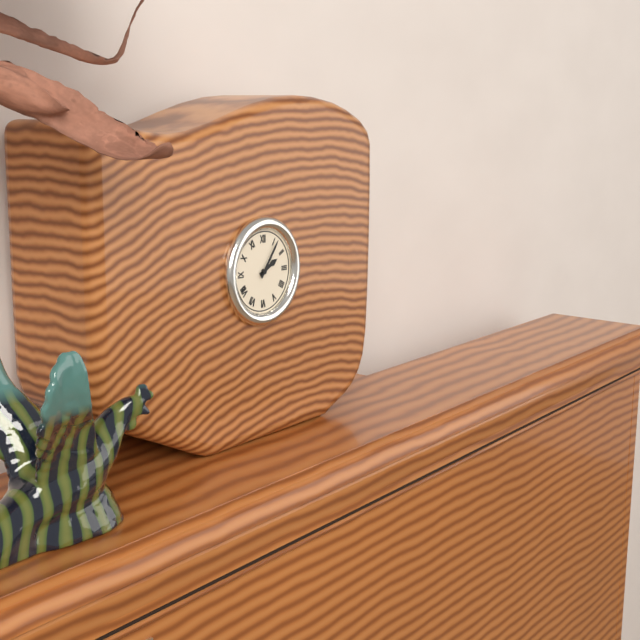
2.06
